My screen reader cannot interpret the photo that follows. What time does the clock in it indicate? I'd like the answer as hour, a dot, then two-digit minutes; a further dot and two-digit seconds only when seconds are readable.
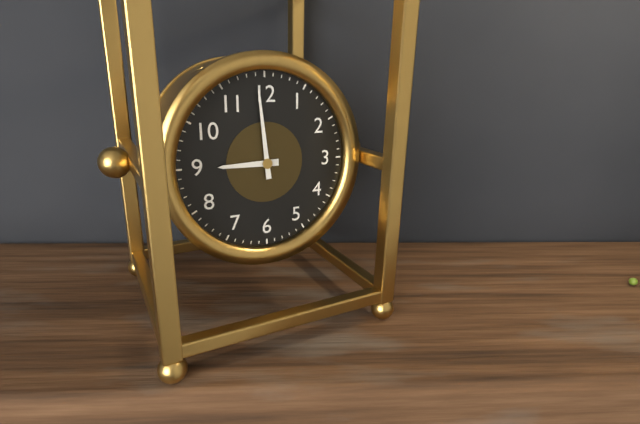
8.59
